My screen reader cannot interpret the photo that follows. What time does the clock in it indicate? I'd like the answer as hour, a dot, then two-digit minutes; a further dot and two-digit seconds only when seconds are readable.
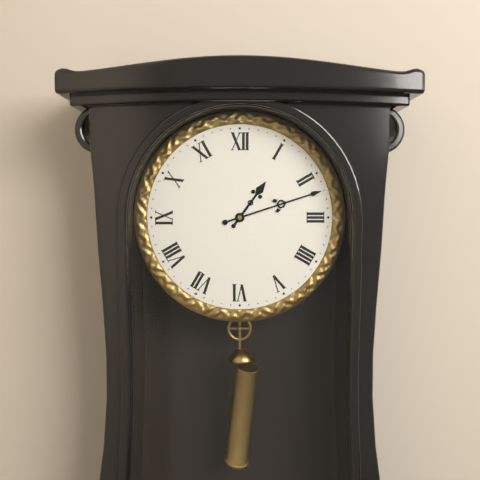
1.12
